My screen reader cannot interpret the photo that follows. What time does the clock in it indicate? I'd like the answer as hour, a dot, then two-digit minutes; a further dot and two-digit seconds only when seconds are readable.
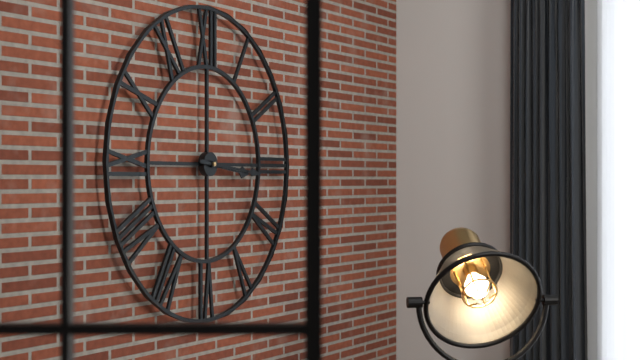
3.16
